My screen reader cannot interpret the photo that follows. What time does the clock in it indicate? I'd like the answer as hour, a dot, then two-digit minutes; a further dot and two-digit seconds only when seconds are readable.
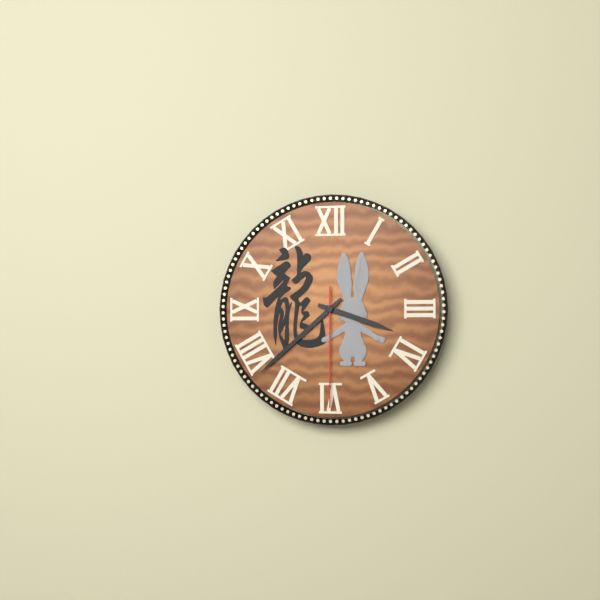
3.38.30
